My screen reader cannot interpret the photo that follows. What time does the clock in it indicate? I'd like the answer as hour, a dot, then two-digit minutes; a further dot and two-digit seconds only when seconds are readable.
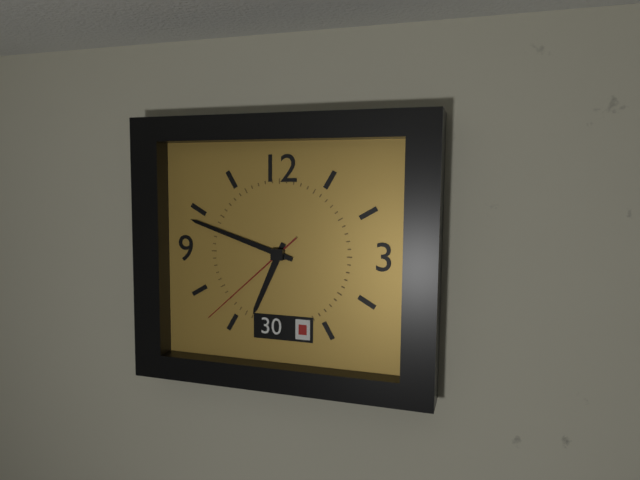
6.48.38
